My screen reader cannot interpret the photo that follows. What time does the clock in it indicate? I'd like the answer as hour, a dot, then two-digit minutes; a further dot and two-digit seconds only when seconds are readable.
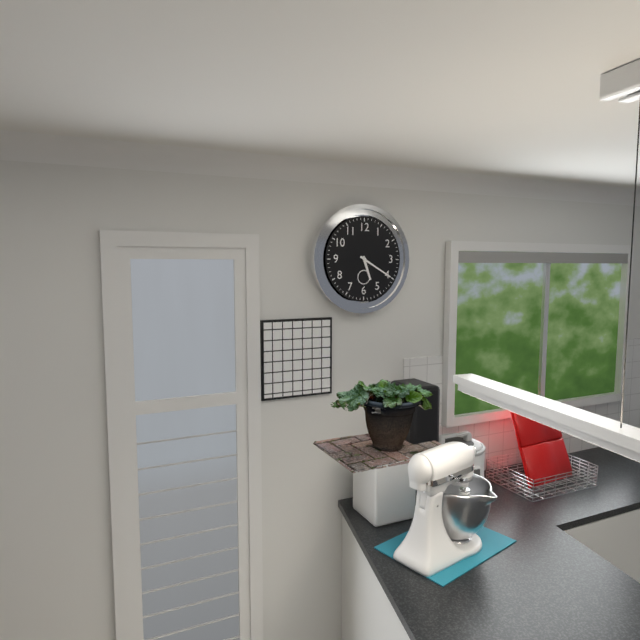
5.20
